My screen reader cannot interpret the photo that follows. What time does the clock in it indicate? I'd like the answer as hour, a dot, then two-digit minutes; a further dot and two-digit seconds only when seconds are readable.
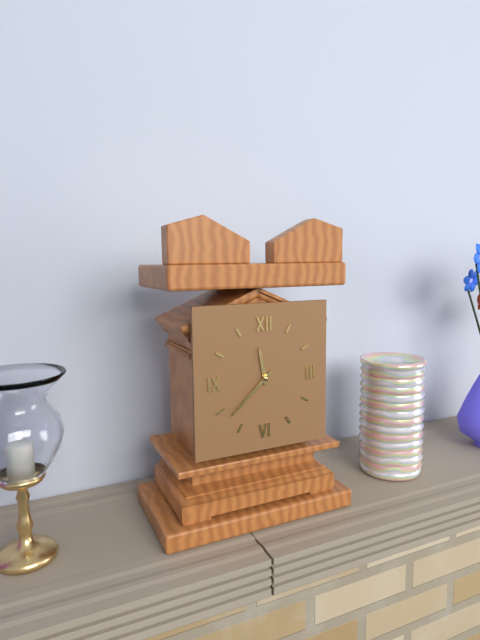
11.38
